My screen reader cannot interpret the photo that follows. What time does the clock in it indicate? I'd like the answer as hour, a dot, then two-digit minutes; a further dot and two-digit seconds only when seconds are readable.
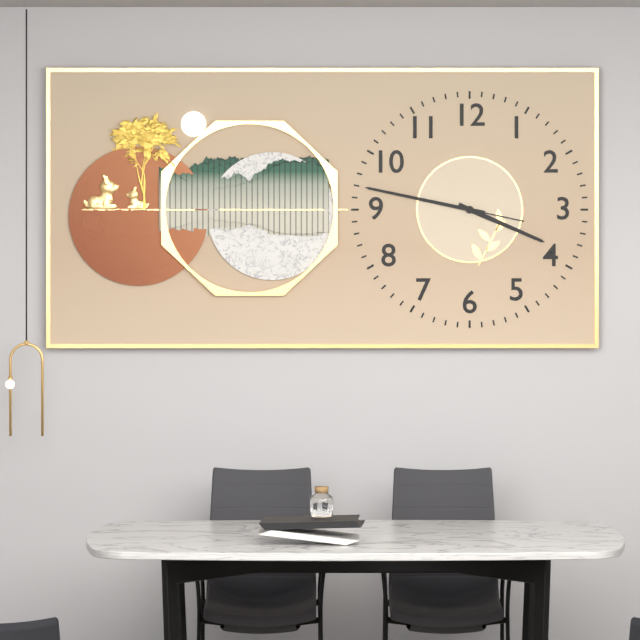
3.47.47
